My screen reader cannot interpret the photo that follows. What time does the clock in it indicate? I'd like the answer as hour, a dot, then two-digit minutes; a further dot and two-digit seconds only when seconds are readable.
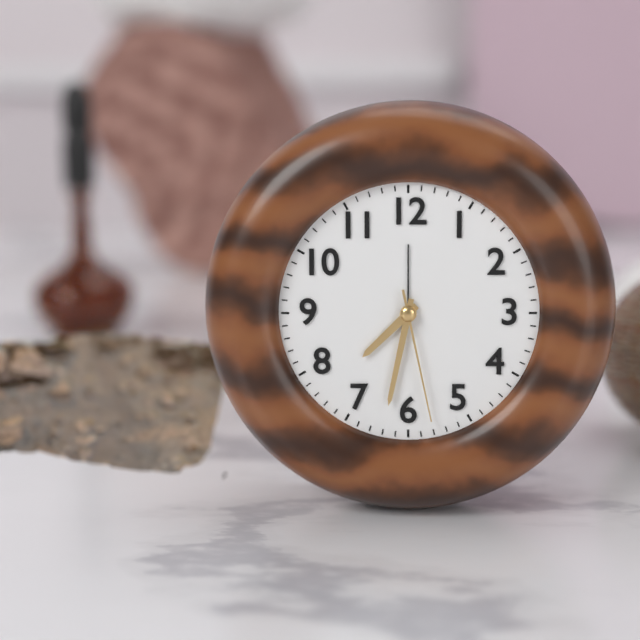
7.32.28
